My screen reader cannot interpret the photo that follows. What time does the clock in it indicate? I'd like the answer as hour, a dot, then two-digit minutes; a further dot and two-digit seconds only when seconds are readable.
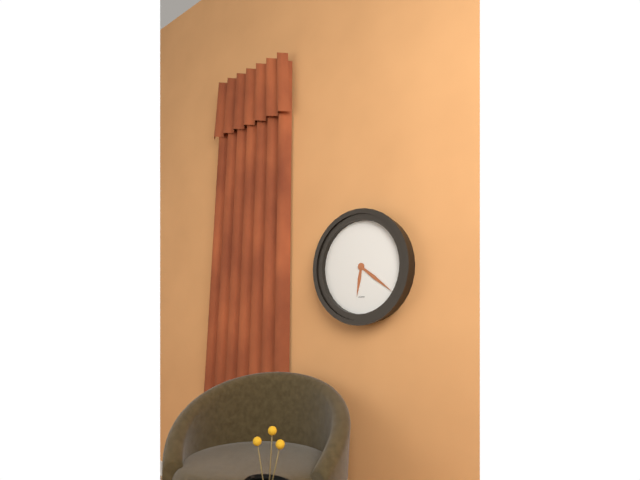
6.21
